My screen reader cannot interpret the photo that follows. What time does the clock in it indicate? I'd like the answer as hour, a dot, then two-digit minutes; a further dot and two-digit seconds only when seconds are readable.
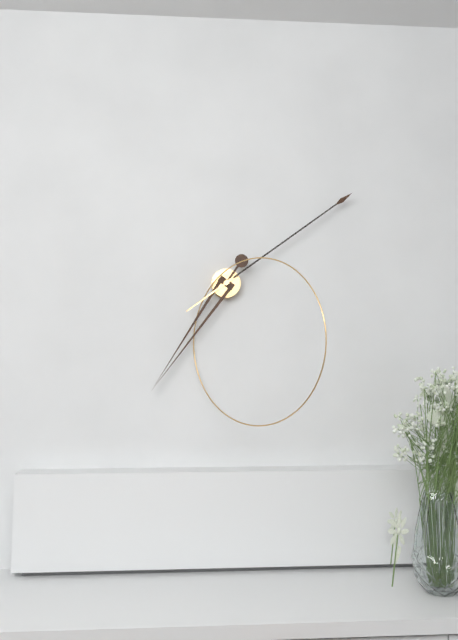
7.09
